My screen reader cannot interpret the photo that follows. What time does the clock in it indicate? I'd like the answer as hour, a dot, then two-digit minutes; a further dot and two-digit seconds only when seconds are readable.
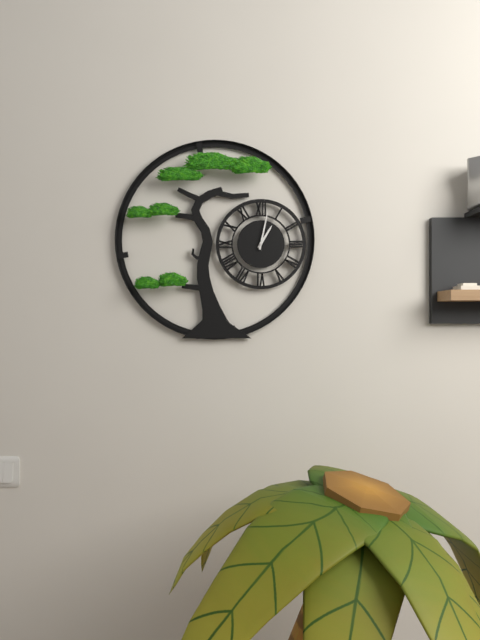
1.02
